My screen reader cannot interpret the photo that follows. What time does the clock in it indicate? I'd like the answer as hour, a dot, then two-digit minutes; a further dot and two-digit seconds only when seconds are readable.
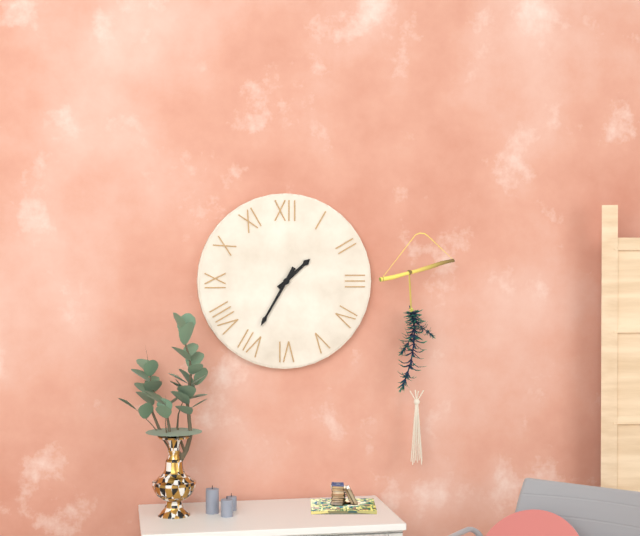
1.35
